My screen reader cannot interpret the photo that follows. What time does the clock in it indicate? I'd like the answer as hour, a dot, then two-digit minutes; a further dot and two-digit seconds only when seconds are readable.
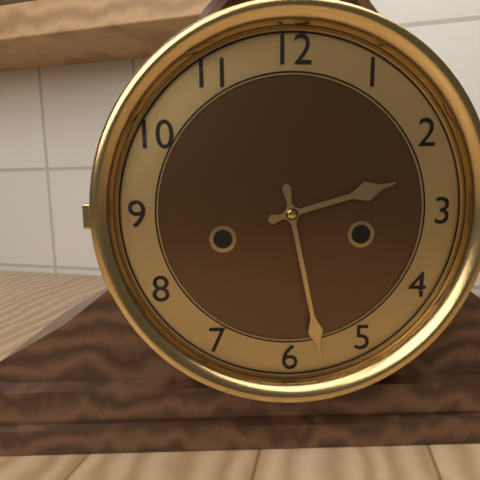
2.28
